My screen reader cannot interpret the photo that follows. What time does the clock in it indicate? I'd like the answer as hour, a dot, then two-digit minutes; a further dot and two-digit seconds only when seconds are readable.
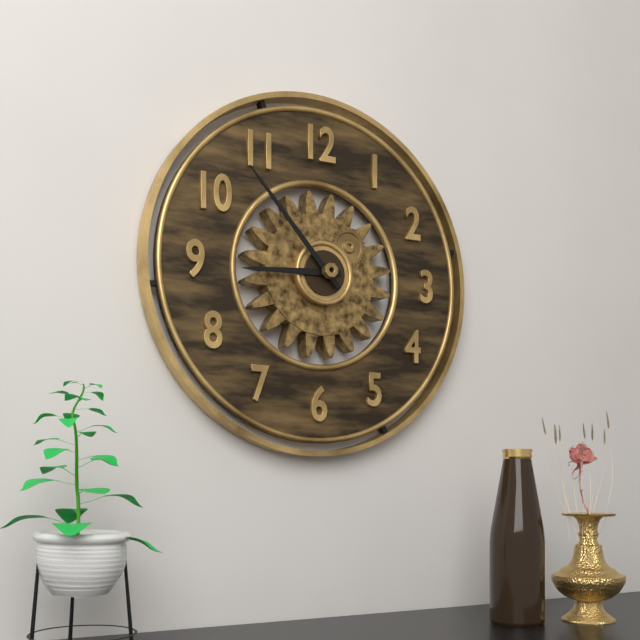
8.53
